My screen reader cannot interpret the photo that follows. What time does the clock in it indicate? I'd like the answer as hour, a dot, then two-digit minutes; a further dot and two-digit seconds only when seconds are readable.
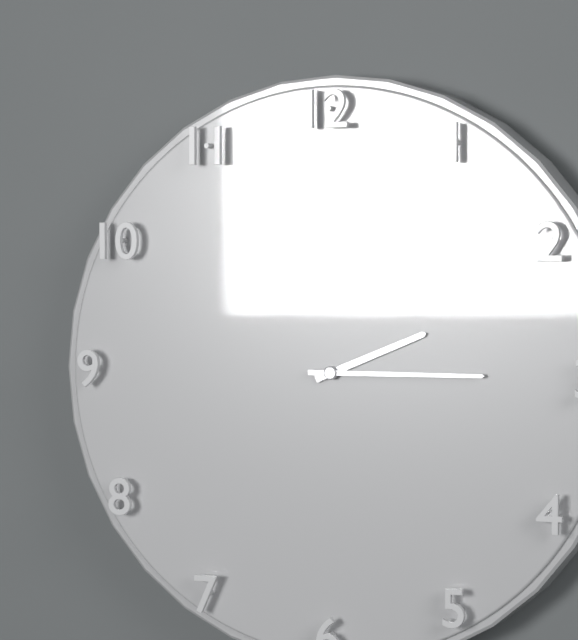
2.15
